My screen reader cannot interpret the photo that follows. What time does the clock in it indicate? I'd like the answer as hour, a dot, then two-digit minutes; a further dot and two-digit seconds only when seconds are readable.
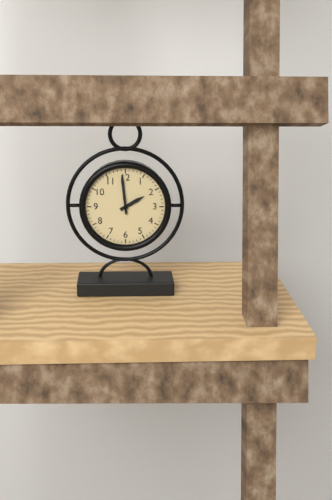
1.59
